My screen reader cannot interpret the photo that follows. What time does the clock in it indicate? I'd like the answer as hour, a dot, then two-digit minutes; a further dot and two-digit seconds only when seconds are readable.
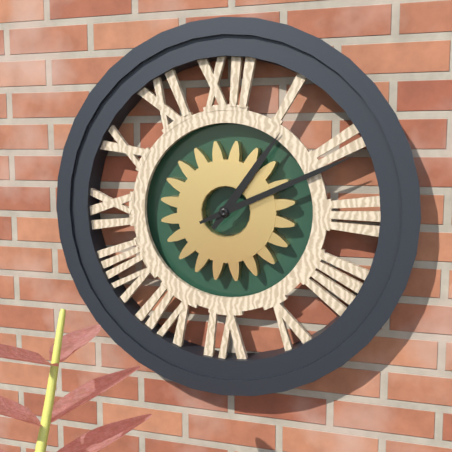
1.11
